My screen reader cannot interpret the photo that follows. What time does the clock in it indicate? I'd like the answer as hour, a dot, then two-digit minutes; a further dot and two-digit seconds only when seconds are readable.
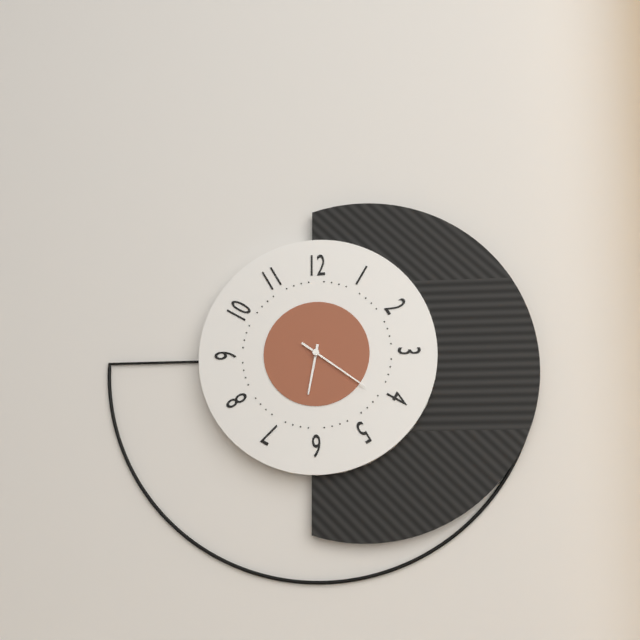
6.21
